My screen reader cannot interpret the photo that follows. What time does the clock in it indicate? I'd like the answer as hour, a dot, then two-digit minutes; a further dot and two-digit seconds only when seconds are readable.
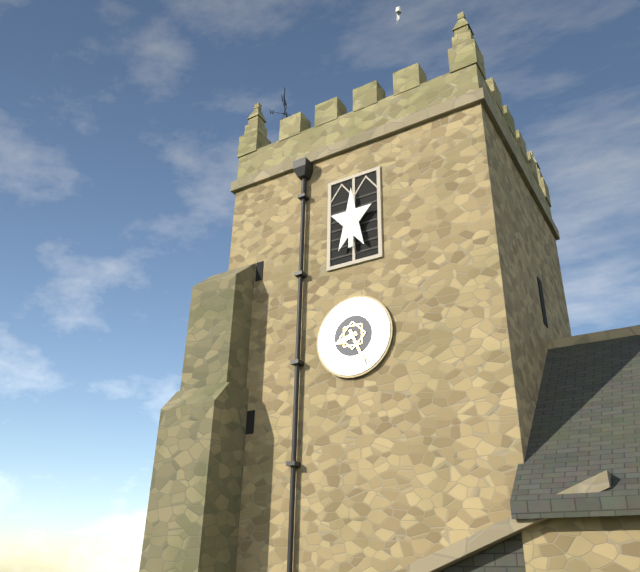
8.26
